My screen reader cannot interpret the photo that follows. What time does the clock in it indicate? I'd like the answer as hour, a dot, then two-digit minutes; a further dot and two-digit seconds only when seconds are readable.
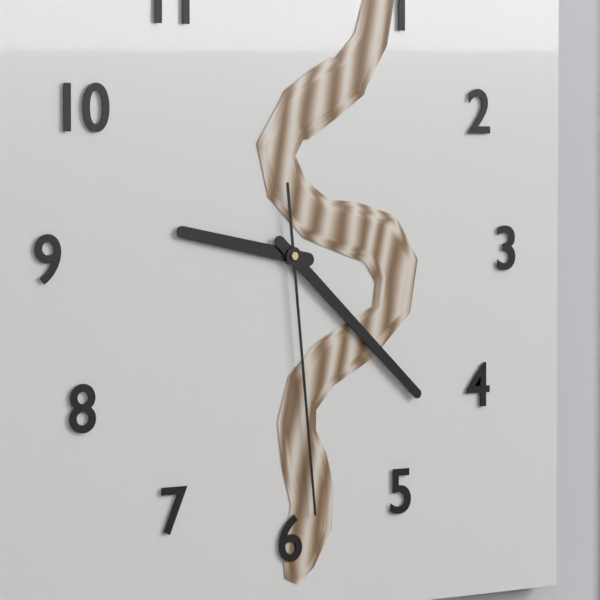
9.22.29
